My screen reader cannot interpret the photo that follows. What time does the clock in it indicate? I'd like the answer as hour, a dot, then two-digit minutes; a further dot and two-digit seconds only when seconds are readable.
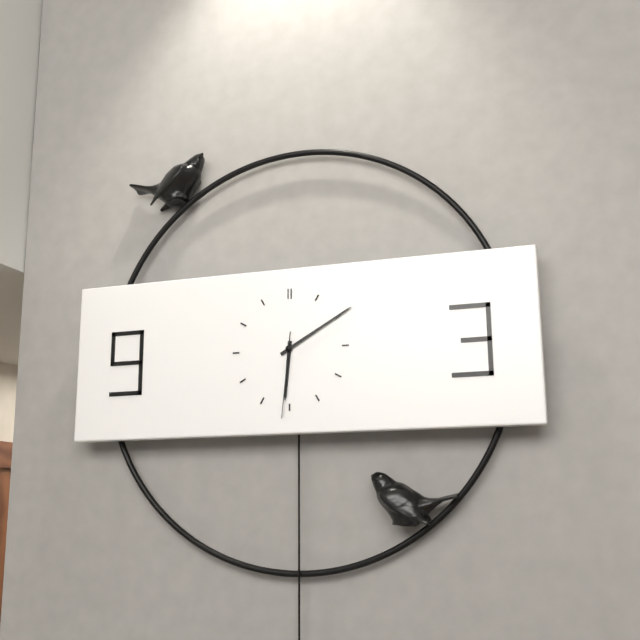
6.10.31
